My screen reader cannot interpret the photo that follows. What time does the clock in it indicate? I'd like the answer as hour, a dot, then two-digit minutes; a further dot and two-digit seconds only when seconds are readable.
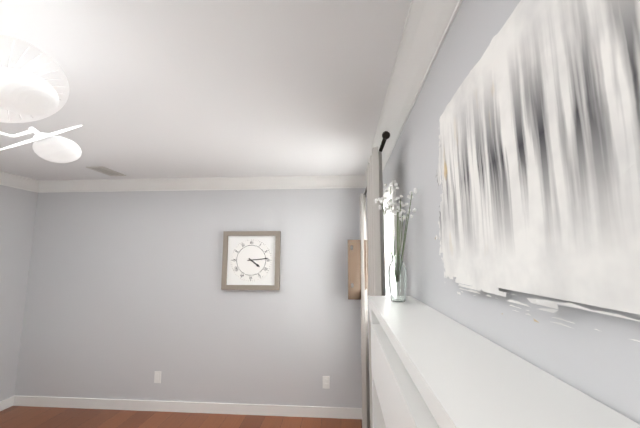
4.14
